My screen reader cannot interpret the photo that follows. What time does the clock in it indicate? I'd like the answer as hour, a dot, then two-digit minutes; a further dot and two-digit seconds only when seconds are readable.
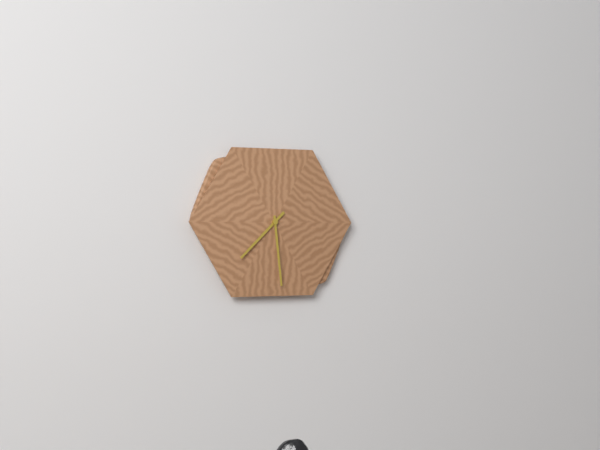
7.29
